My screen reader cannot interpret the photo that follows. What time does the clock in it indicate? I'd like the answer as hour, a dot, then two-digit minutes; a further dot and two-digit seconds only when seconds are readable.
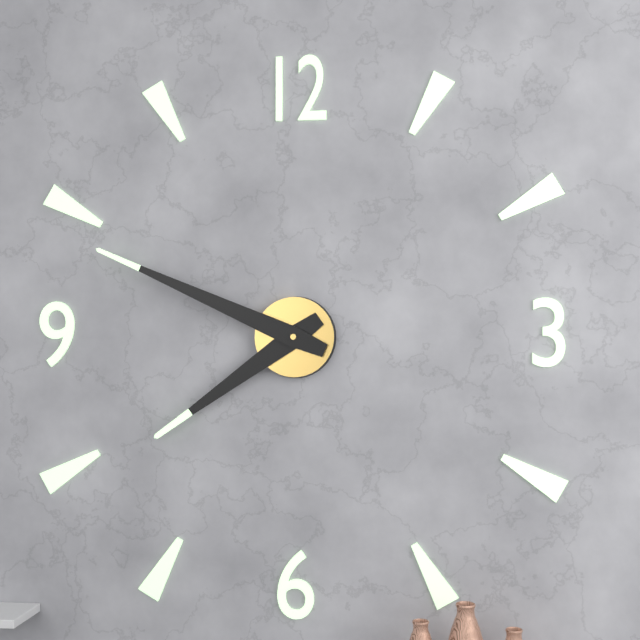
7.49
